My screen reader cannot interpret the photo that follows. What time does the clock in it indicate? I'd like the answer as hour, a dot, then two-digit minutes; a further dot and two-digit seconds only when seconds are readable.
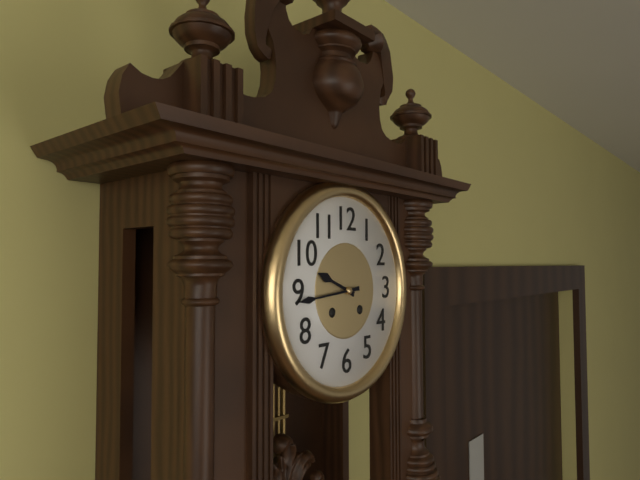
9.44
